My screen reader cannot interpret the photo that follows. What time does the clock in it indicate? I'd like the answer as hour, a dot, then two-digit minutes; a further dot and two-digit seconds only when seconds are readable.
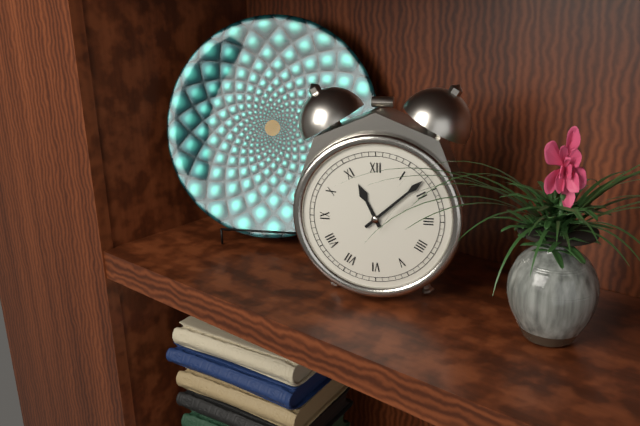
11.08
